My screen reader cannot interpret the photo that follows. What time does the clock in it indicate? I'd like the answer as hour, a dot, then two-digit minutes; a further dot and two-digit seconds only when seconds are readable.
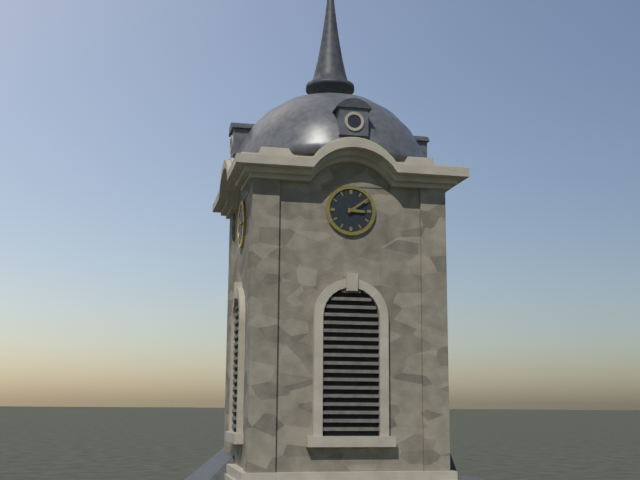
3.09
